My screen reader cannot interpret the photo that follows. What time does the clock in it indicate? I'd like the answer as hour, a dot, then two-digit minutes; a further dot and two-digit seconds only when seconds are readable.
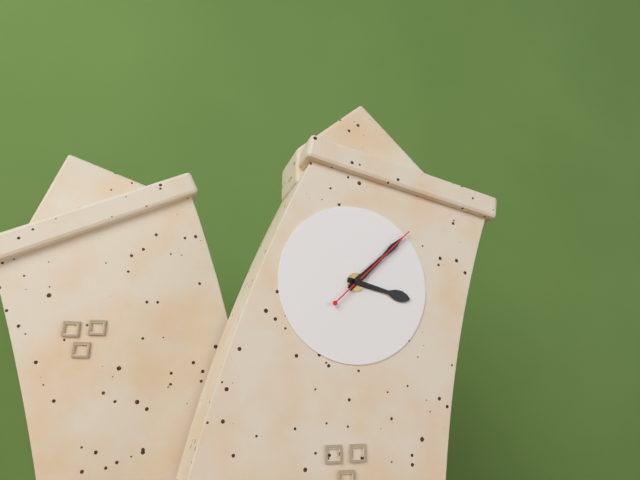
3.06.06
